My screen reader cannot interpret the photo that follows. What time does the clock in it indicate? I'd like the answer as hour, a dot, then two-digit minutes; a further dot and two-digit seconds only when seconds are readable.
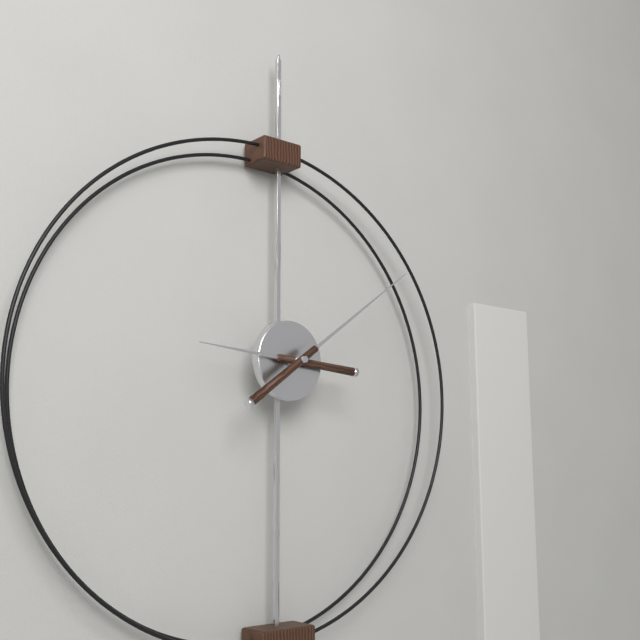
9.09
